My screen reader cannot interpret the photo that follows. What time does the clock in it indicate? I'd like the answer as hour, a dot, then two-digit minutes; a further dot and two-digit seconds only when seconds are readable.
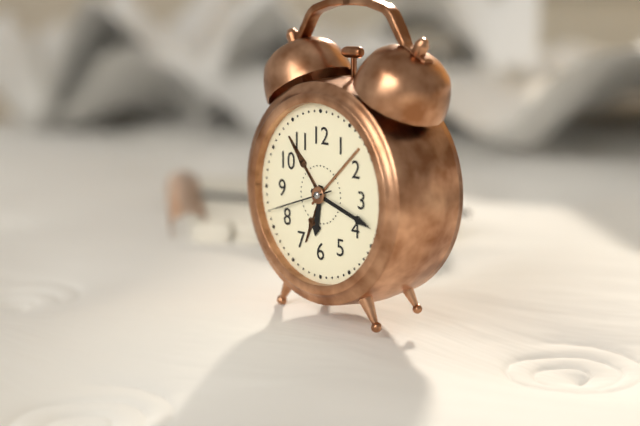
6.18.42
